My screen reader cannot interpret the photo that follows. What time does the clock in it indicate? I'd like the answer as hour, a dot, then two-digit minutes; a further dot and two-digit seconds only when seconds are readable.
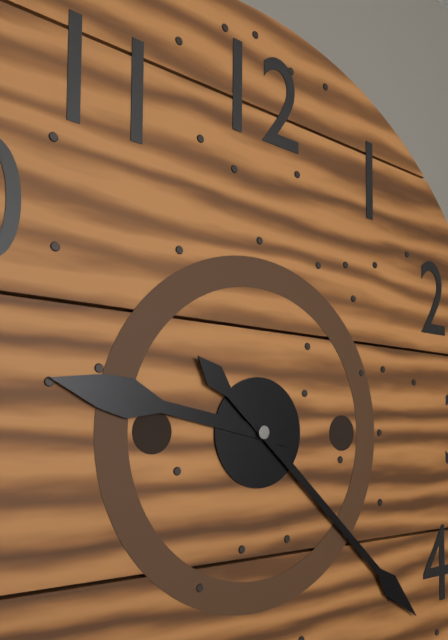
9.22
